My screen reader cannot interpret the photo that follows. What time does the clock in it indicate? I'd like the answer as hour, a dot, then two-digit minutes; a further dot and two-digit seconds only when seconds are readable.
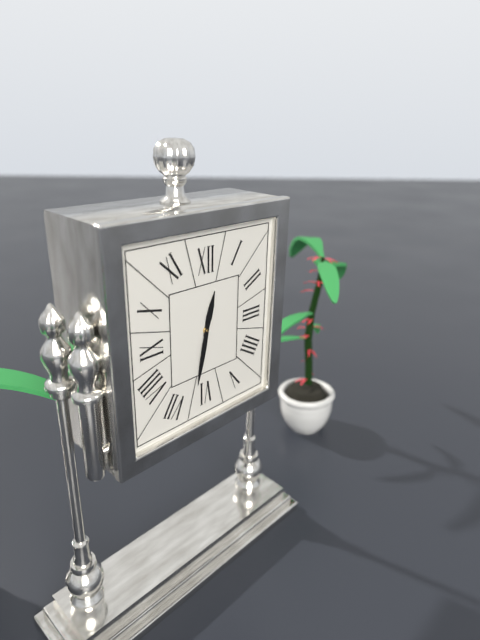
12.32
